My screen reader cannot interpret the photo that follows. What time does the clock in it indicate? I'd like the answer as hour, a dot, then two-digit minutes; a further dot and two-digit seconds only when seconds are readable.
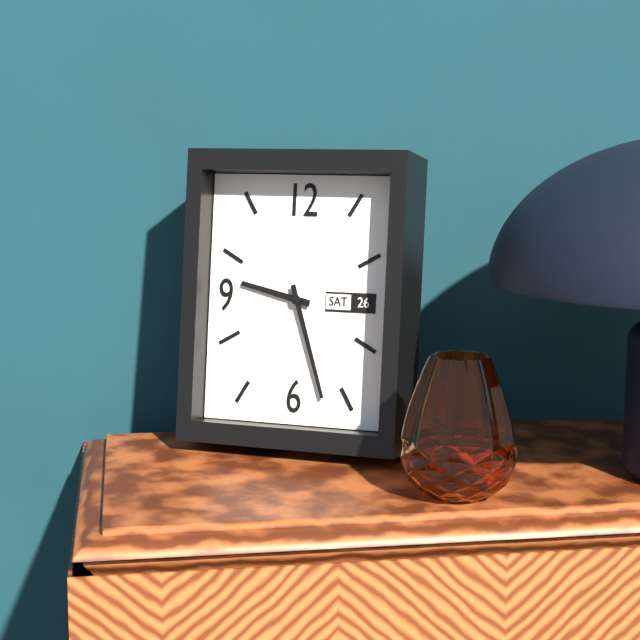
9.27
